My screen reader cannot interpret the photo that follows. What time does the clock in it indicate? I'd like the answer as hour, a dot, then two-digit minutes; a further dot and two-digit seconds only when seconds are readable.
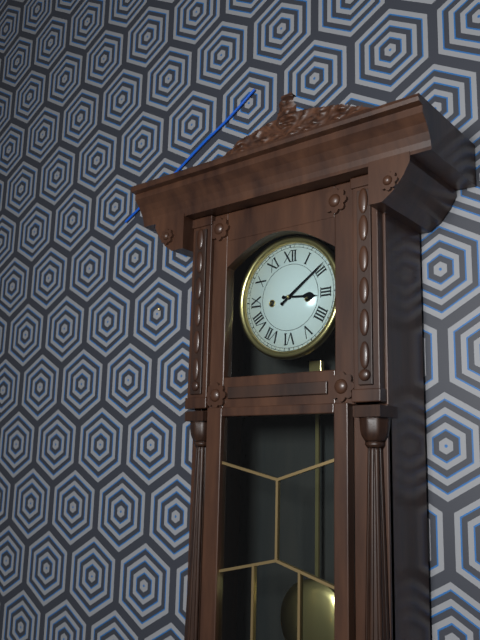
3.09
